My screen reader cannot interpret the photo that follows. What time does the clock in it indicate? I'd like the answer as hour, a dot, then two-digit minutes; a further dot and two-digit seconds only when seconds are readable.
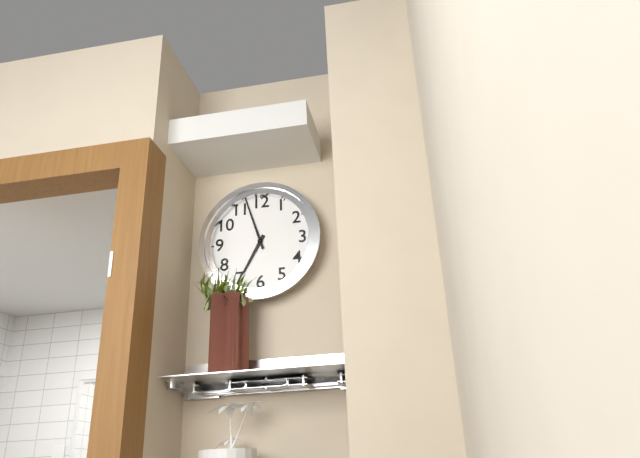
6.57
